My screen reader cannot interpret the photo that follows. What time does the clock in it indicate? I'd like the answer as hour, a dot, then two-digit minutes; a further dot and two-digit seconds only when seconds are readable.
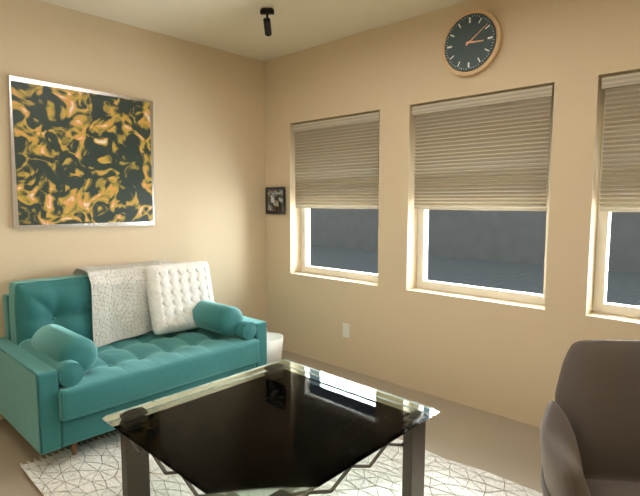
3.09
